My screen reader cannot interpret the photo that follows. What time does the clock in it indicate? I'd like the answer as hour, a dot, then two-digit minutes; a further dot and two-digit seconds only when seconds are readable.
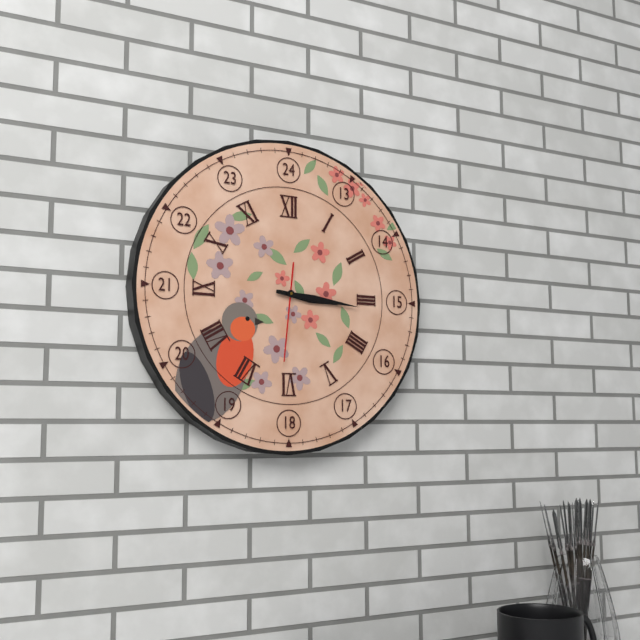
3.16.31
